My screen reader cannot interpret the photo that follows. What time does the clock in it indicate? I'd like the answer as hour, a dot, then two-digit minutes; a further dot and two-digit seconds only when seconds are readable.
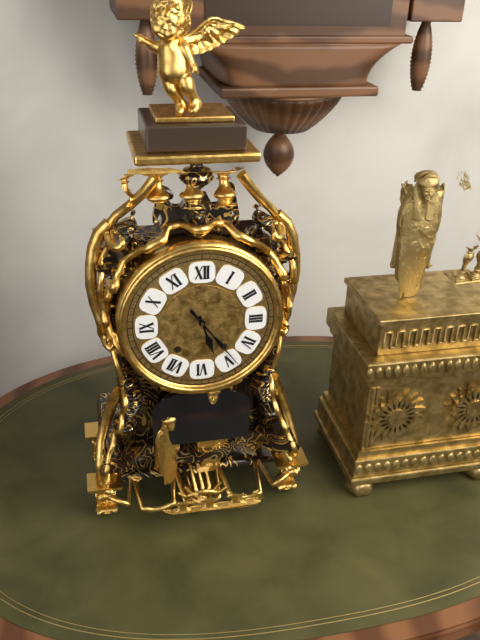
5.24
